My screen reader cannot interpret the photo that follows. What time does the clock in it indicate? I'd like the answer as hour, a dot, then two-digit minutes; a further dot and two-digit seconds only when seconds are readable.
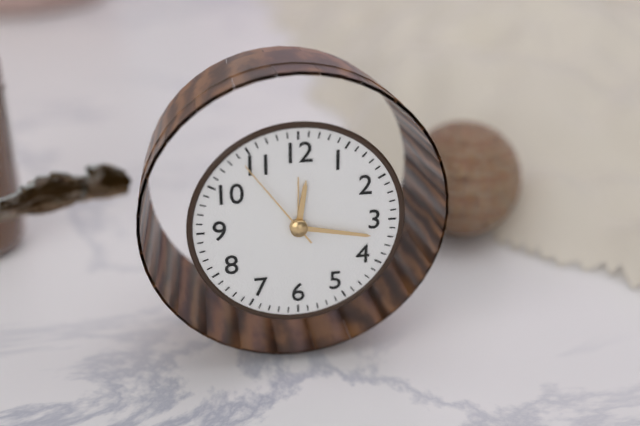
12.17.54
